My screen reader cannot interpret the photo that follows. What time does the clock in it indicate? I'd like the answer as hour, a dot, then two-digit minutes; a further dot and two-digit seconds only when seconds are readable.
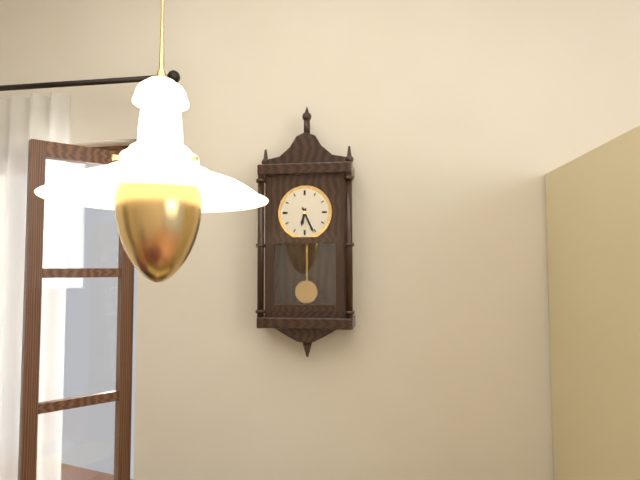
6.26
